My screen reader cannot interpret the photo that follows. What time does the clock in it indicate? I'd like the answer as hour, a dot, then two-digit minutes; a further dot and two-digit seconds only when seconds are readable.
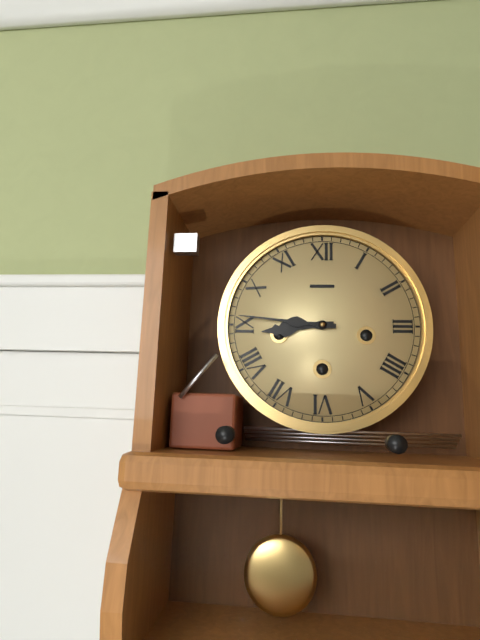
8.46
